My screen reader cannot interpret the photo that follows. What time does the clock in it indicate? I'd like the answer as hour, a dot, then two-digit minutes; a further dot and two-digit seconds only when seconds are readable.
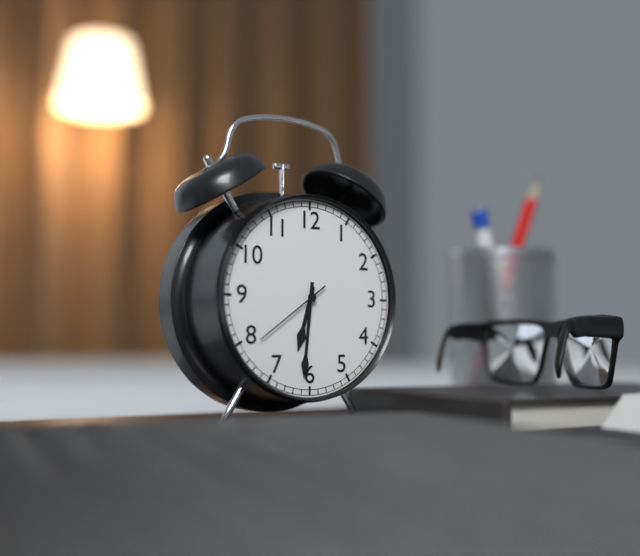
6.31.39
